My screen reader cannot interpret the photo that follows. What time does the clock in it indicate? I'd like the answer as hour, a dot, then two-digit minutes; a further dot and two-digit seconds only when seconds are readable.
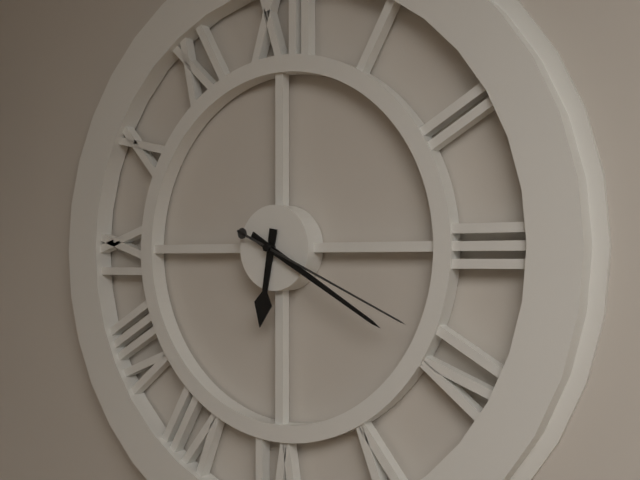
6.20.19
